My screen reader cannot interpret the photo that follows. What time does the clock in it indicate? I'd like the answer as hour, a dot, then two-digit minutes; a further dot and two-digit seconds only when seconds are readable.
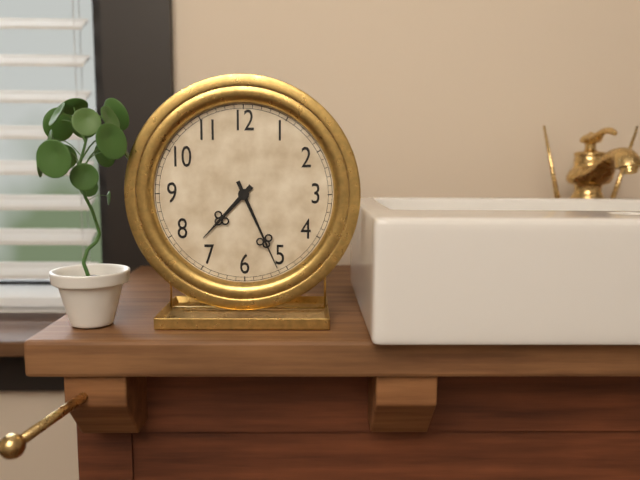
7.26
